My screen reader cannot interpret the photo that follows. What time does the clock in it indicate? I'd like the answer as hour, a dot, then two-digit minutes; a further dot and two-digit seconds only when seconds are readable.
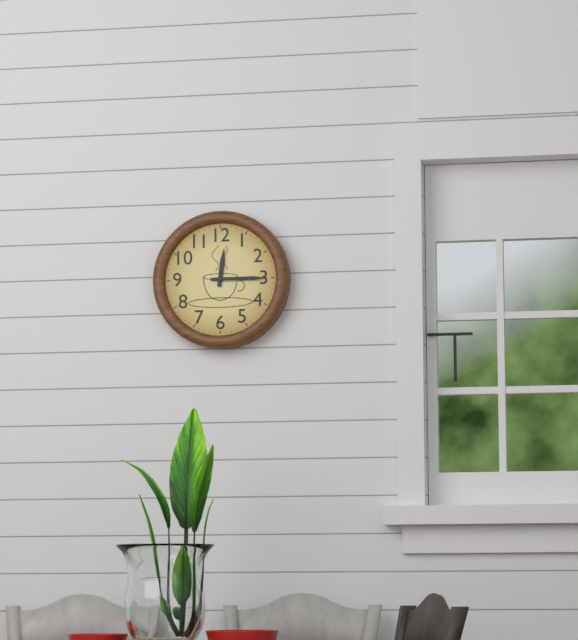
12.15
